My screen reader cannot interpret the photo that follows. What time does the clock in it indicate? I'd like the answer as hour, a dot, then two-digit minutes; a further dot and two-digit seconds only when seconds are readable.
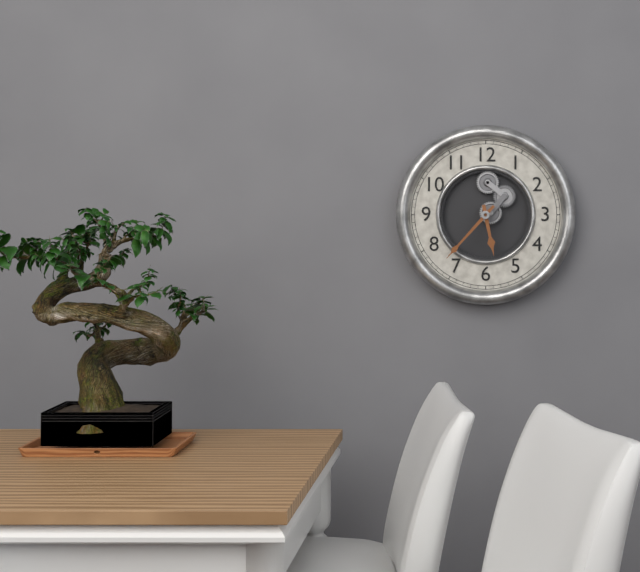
5.37
